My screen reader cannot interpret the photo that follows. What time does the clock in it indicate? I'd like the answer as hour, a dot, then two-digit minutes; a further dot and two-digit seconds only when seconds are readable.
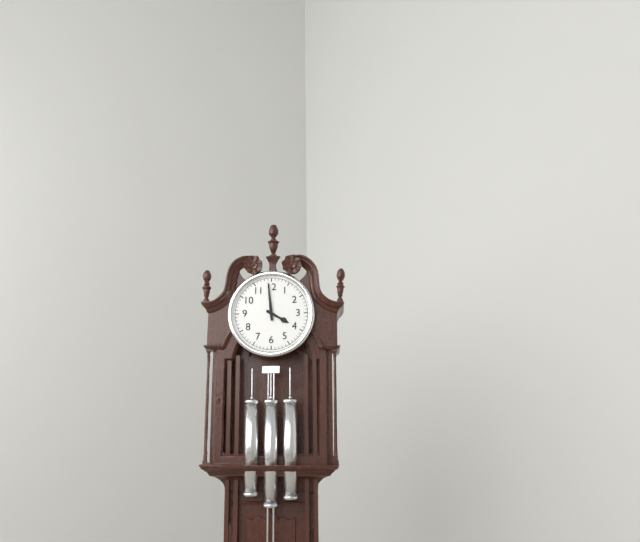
3.59
